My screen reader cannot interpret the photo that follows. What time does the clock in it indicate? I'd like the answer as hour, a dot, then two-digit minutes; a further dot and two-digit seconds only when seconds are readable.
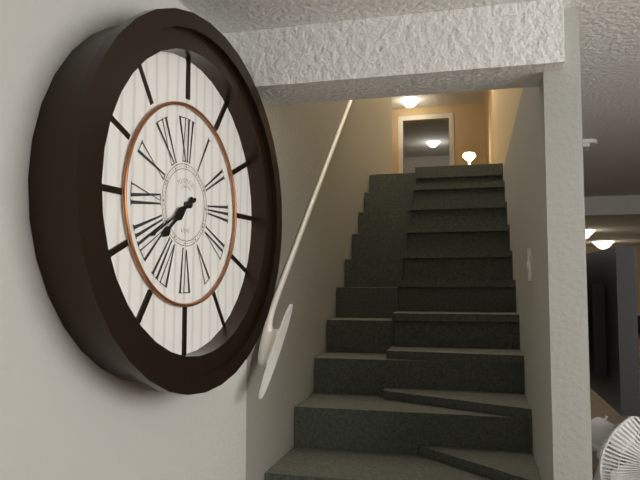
7.40
